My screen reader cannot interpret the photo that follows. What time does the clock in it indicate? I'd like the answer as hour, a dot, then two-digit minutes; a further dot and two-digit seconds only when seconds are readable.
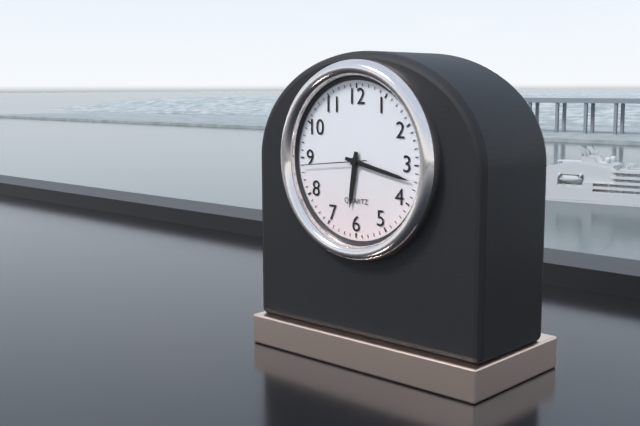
6.17.44
